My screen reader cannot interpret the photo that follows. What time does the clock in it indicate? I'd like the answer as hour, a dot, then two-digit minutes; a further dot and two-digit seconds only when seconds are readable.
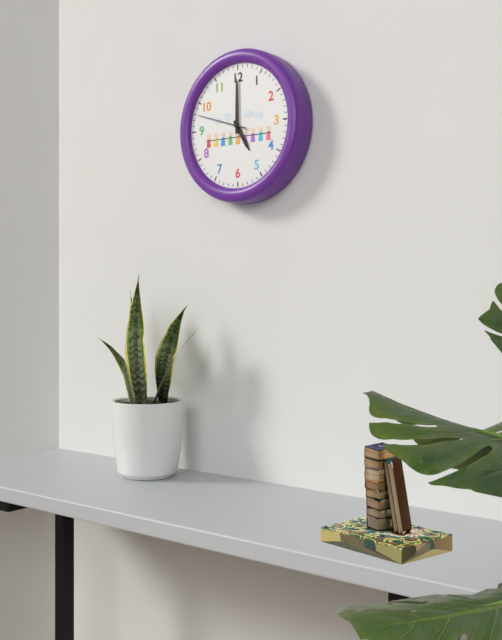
5.00
